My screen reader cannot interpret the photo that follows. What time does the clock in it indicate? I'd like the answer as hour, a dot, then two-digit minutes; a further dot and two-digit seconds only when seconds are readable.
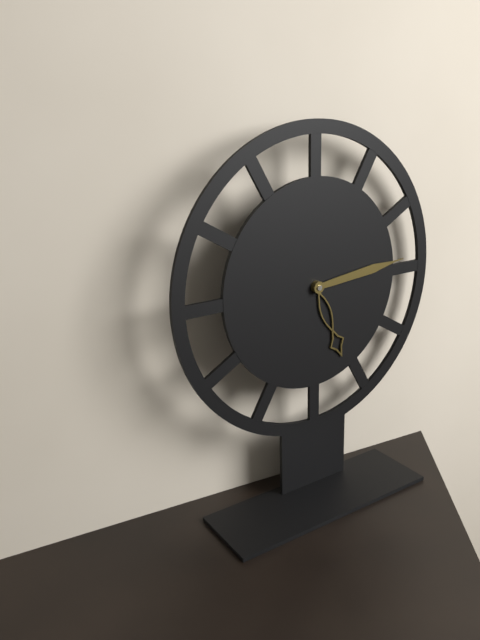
5.14
